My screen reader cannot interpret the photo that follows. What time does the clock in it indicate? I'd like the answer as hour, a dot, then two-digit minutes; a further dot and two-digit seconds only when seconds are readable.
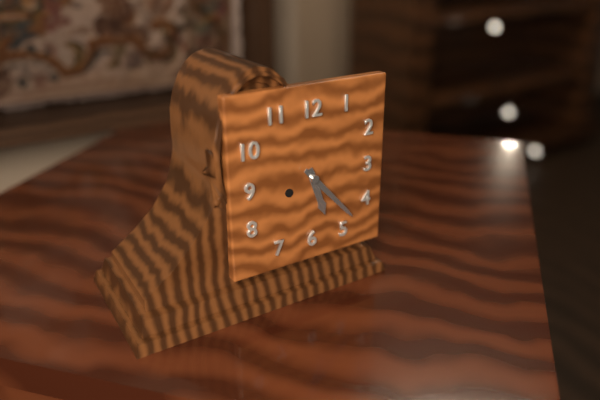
5.23
